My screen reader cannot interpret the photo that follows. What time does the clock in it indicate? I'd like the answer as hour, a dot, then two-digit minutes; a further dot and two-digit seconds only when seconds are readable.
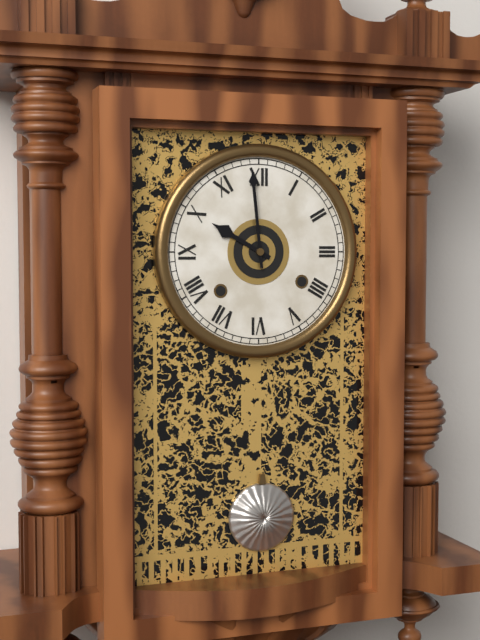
9.59
